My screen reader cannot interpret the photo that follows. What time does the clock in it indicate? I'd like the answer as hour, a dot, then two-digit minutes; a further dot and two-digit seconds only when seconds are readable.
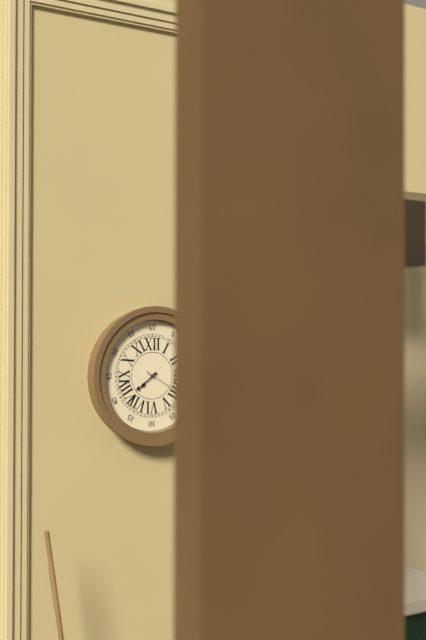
7.39
